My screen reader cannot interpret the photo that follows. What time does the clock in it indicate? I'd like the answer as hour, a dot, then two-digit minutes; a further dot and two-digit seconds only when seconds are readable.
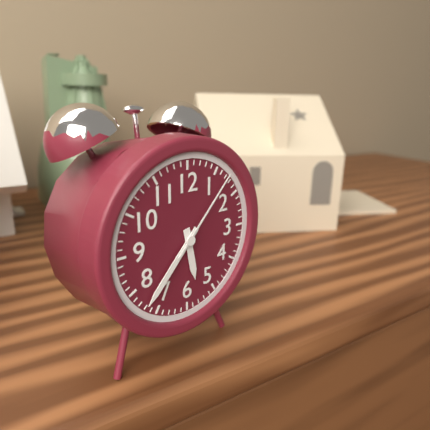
5.37.07
